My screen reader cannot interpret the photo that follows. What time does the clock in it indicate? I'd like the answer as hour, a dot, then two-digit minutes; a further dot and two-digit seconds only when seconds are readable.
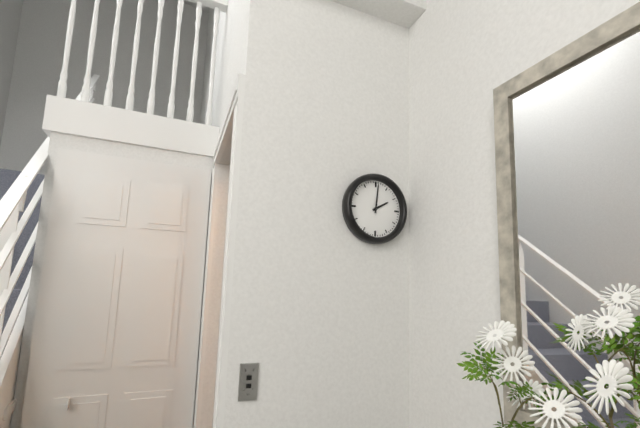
2.01
